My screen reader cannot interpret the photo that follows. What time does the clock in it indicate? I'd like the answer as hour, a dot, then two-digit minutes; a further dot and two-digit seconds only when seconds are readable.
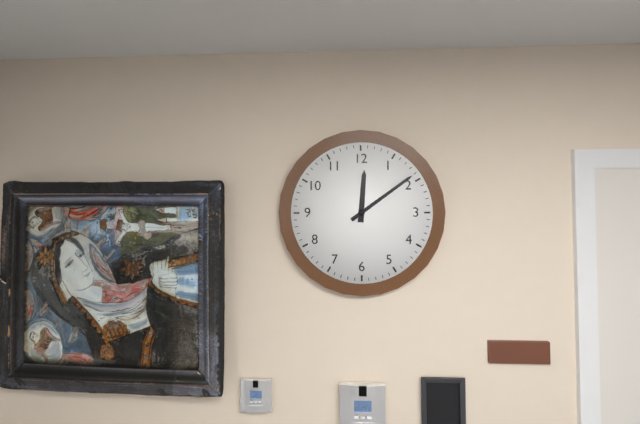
12.09
